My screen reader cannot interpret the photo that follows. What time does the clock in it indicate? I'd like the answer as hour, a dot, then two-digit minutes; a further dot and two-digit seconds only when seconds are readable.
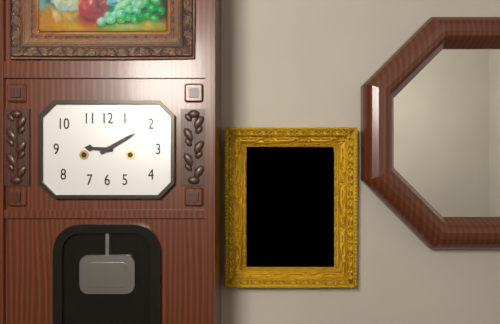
9.10
